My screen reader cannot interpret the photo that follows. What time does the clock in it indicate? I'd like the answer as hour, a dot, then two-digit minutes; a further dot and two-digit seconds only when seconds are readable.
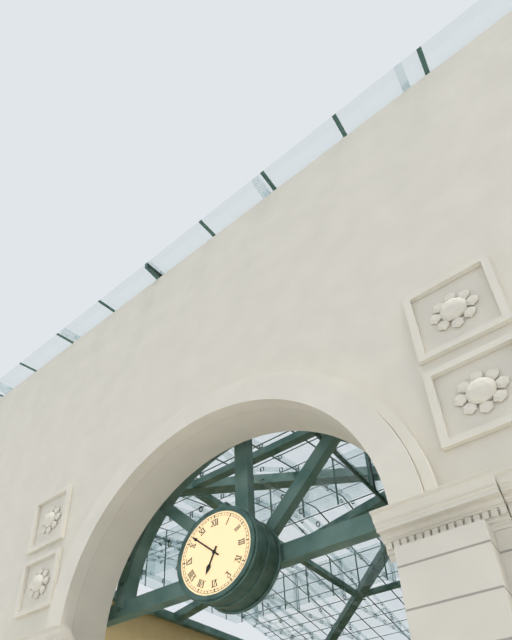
6.52
